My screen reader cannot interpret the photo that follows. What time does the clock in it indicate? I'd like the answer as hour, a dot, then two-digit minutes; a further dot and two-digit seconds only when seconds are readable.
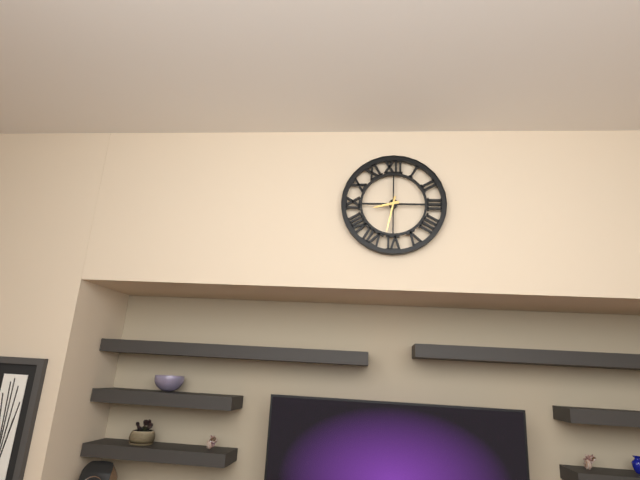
8.32
